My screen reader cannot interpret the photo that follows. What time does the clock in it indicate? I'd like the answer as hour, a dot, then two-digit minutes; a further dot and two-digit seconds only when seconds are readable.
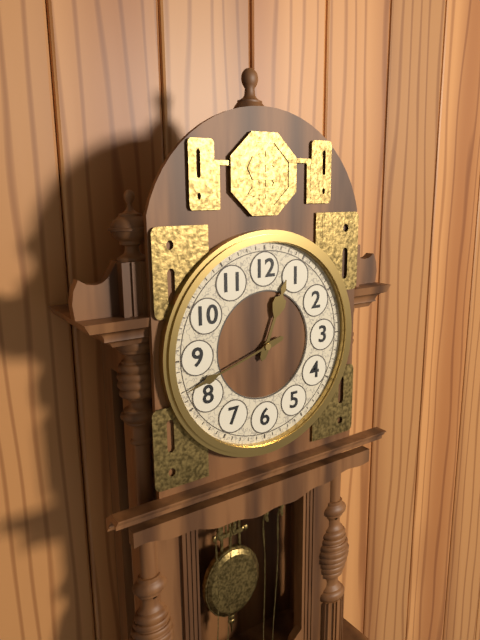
12.42
